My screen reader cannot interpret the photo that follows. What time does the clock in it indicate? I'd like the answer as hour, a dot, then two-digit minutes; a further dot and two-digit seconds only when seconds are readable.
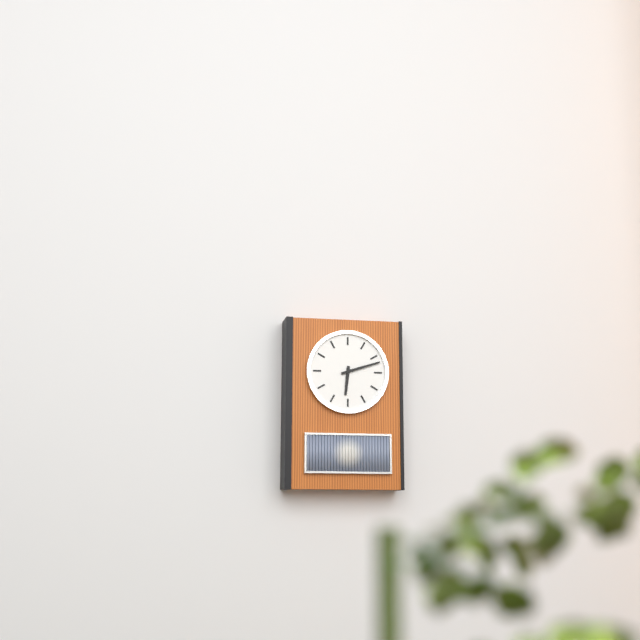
6.12
